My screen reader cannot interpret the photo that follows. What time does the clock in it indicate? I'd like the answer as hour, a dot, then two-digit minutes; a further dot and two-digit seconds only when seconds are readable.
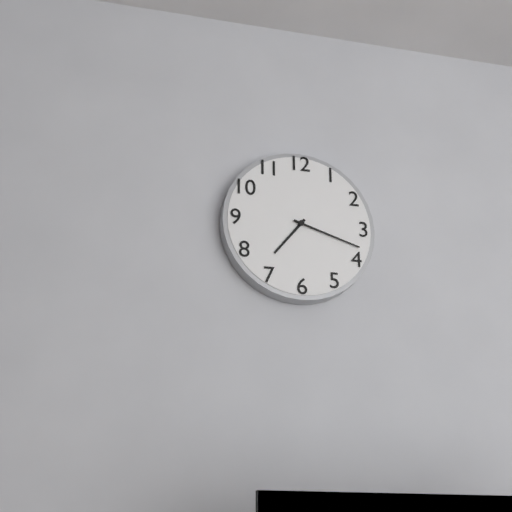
7.18
